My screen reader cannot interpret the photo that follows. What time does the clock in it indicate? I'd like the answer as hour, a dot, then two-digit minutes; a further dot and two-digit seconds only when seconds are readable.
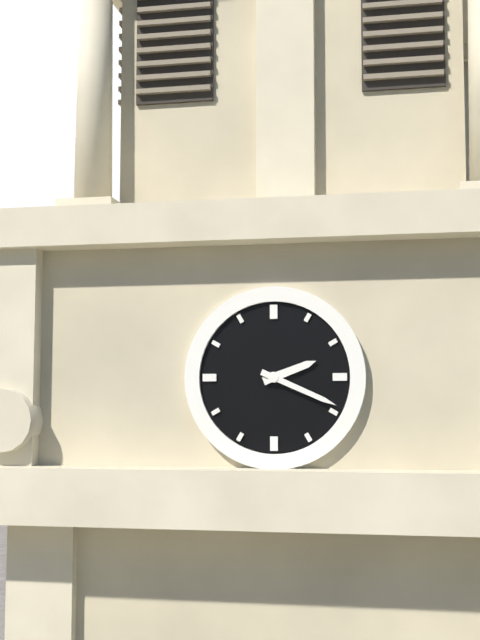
2.19
